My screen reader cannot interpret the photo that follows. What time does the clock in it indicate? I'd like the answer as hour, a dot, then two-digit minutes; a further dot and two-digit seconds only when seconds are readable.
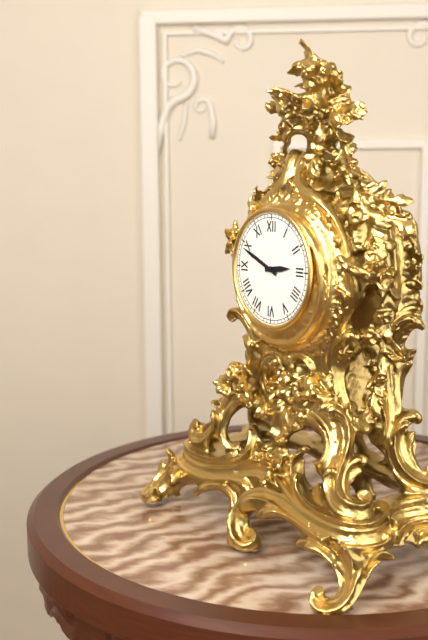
2.49
